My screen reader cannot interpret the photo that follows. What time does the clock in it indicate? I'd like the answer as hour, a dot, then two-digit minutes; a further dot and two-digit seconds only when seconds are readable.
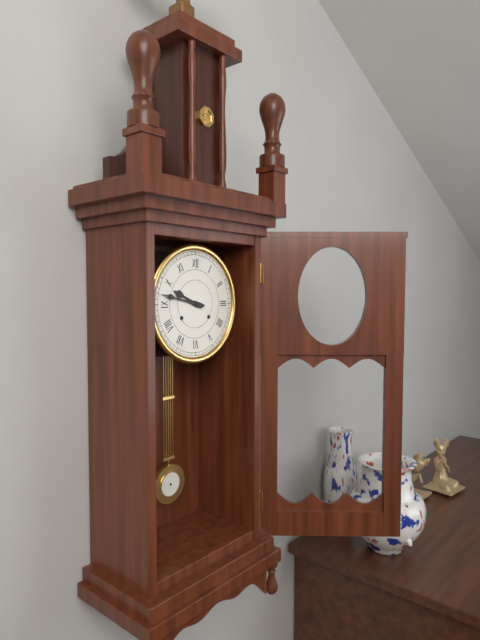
9.47
